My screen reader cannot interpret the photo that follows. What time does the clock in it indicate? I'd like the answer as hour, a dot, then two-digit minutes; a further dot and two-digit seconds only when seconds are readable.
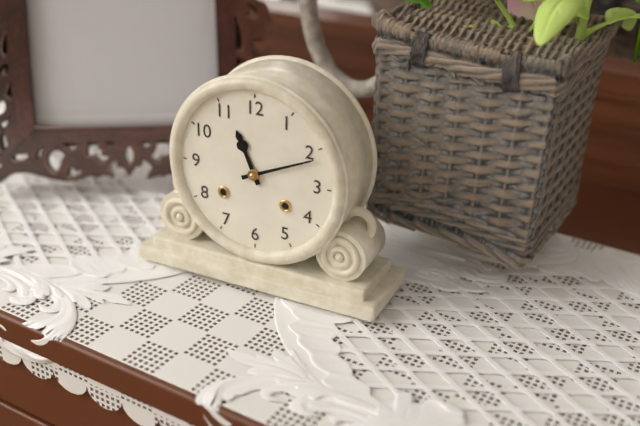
11.11
